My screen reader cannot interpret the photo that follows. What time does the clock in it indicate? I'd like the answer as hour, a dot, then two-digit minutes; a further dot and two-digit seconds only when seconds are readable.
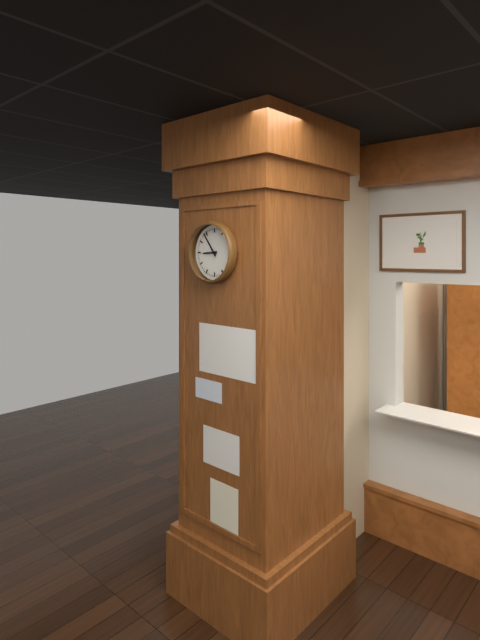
8.54
